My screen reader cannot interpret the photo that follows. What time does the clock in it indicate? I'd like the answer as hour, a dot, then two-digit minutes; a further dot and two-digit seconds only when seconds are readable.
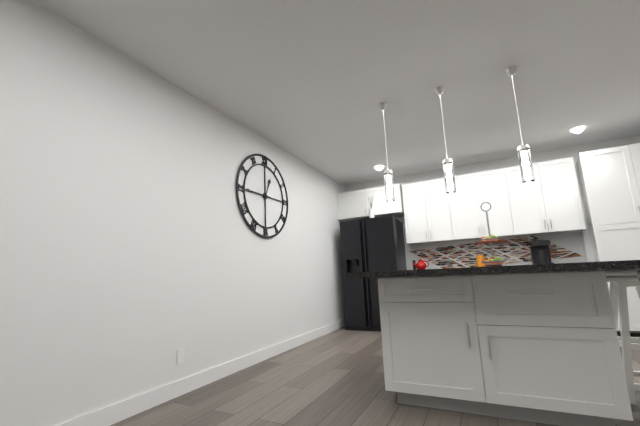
12.45
